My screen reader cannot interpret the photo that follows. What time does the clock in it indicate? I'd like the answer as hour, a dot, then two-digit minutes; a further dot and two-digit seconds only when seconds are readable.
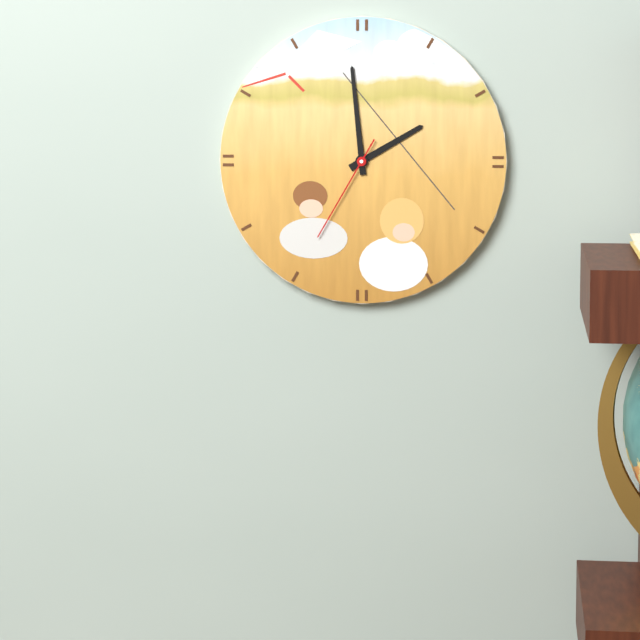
1.59.35
